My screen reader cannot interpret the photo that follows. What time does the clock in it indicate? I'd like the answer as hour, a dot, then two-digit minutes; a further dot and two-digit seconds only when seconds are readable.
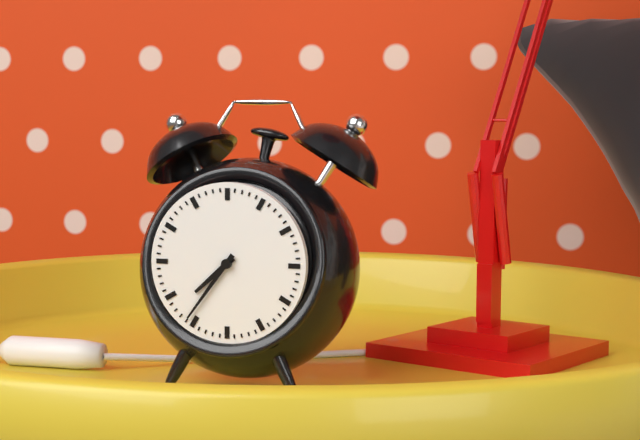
7.36
